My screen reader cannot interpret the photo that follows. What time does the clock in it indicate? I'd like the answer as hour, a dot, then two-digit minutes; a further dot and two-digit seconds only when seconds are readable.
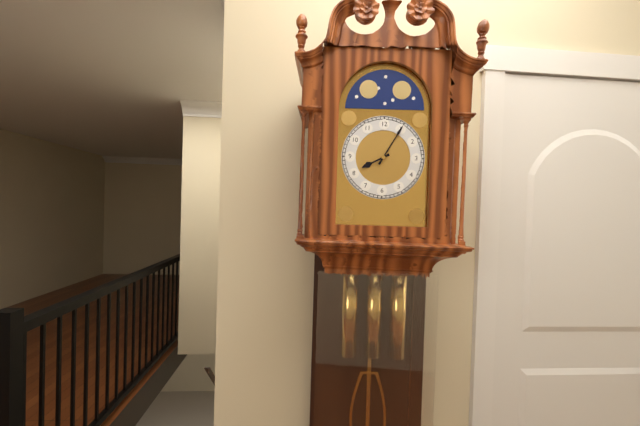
8.05
